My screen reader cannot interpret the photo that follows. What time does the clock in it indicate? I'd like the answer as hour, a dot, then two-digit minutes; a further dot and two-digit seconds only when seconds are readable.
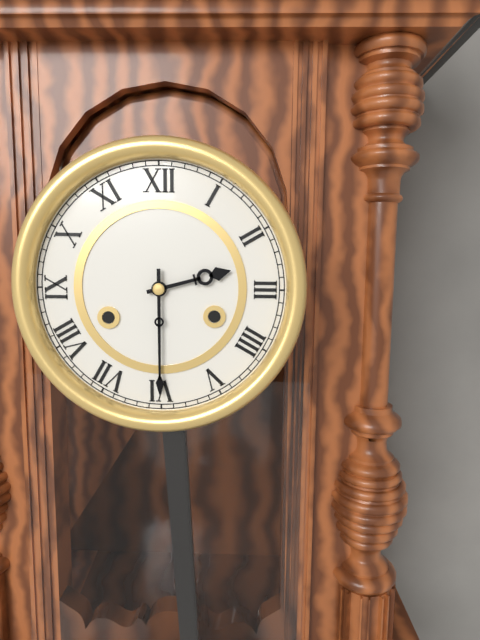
2.30
